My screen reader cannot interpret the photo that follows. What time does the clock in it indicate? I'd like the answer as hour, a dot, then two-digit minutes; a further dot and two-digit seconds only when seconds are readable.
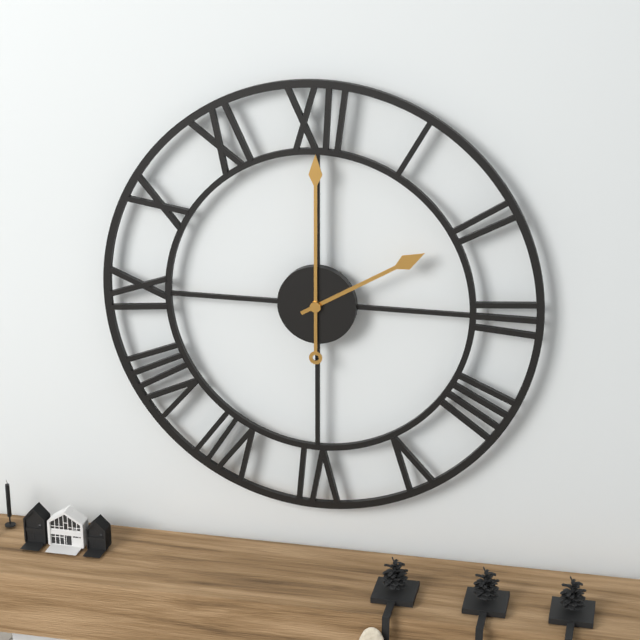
2.00
